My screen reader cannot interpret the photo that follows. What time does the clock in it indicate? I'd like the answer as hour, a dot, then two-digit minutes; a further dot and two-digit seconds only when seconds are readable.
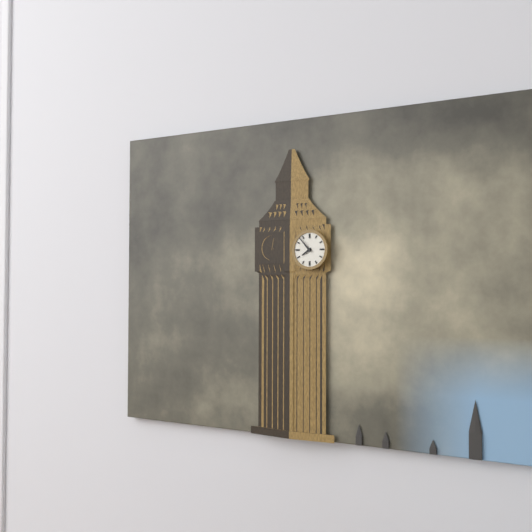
7.53
